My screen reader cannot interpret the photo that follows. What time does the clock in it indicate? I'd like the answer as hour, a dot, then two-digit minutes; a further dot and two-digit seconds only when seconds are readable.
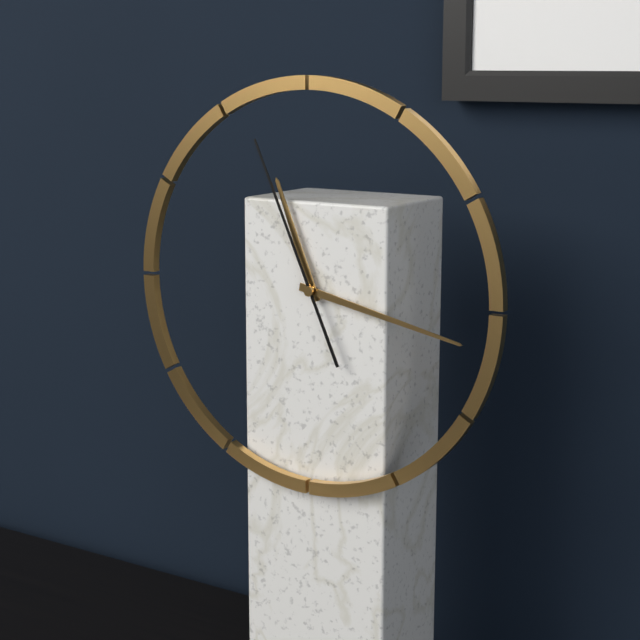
11.17.56
